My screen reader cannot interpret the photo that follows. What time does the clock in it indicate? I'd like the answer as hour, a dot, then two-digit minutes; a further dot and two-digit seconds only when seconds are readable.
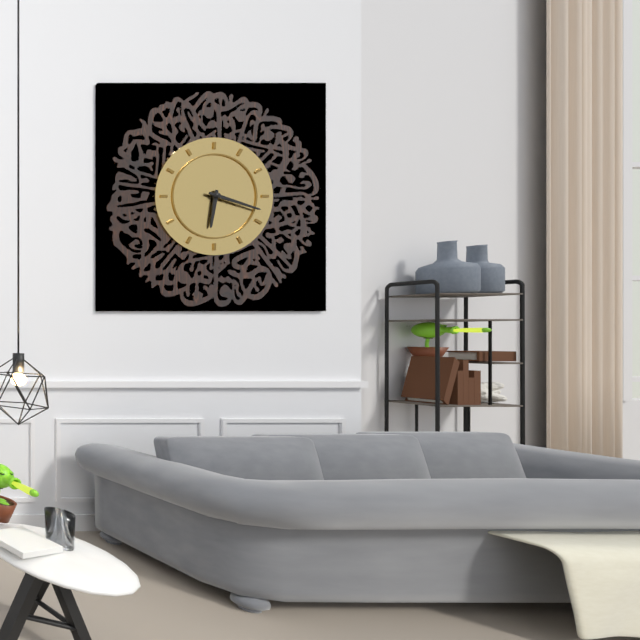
6.18
